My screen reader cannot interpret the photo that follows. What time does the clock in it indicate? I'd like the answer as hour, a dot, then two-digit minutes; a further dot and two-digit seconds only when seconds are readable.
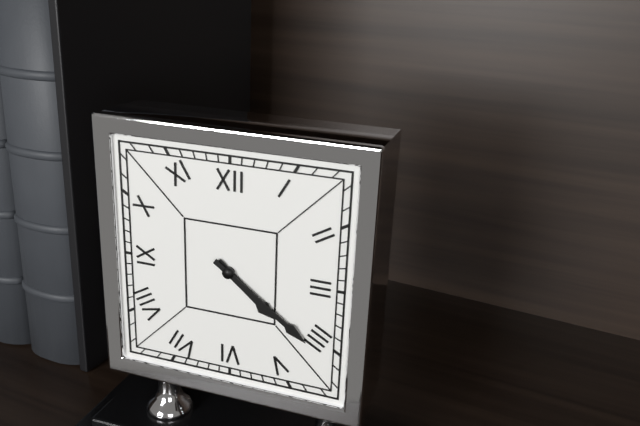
4.21
